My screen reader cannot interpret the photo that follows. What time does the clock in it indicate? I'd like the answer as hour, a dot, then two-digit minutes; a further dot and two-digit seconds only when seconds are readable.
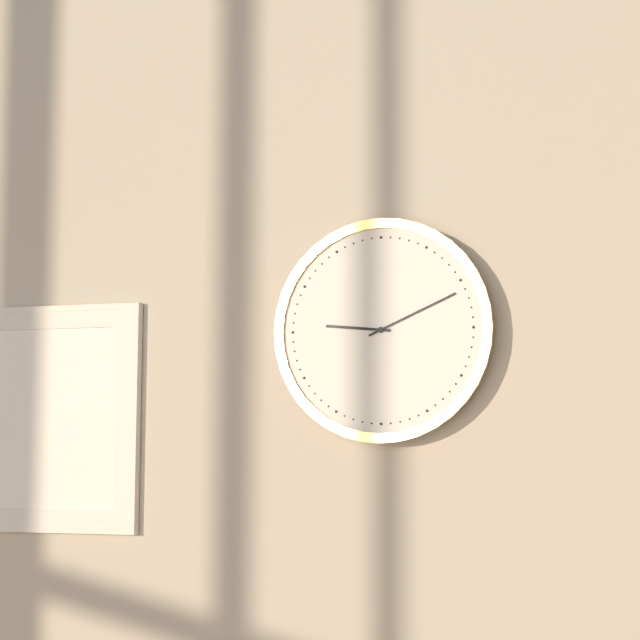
9.11
